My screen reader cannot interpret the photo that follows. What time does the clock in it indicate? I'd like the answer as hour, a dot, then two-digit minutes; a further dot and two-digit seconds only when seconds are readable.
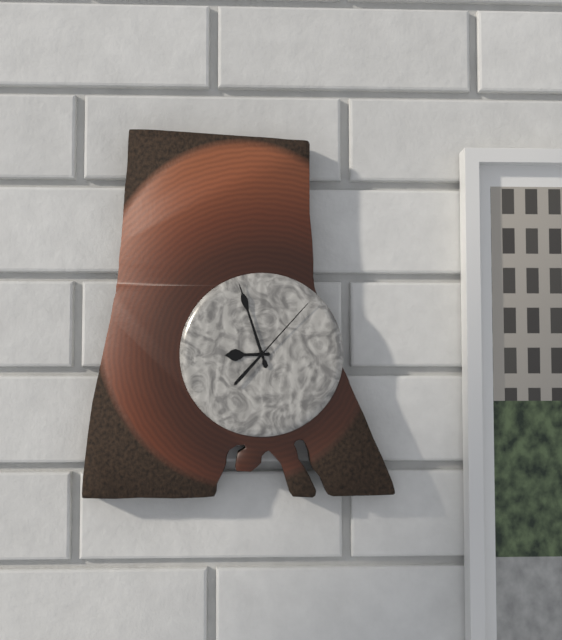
8.57.07
